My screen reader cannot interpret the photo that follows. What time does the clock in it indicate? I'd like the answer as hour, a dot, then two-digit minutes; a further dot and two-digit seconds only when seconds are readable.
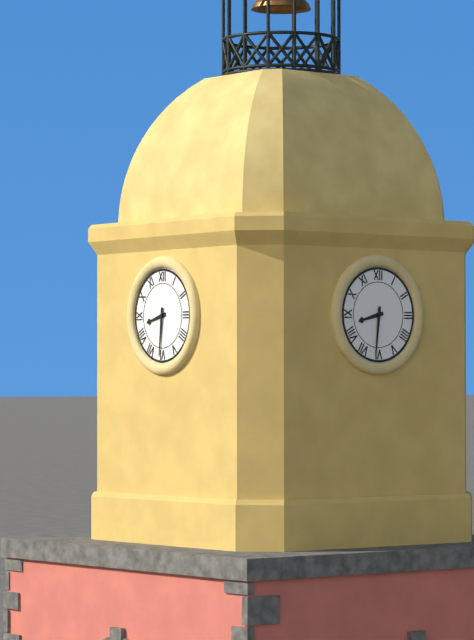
8.31
